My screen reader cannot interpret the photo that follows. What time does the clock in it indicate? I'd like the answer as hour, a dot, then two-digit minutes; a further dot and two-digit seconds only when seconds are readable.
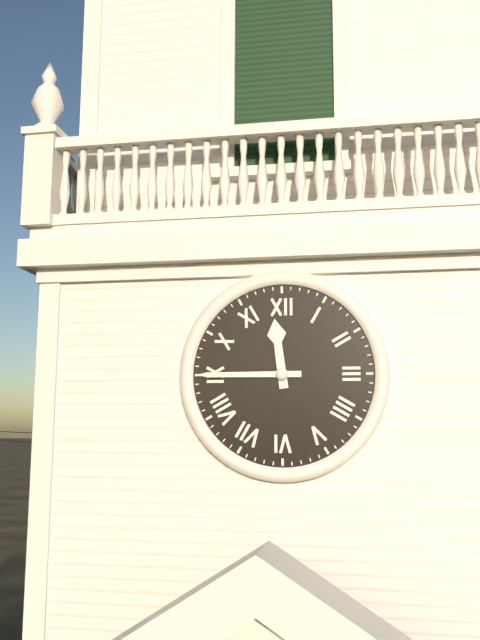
11.45
